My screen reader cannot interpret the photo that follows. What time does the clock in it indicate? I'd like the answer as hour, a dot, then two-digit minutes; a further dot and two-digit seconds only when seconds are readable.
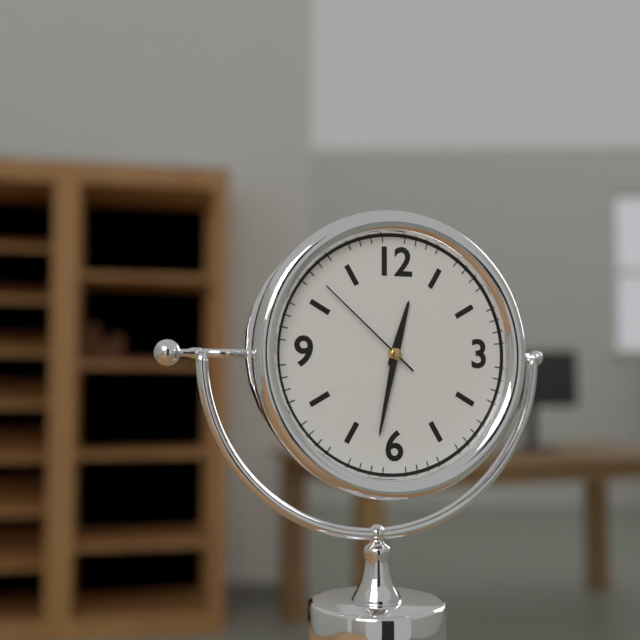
12.32.52
